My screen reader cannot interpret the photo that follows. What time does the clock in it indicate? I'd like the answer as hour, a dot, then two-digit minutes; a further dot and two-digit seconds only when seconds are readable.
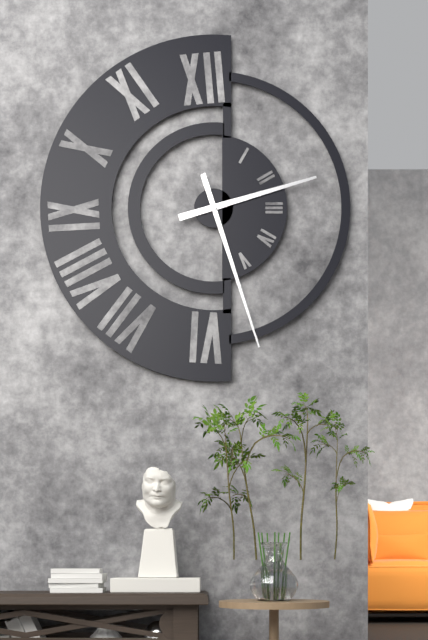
2.27
